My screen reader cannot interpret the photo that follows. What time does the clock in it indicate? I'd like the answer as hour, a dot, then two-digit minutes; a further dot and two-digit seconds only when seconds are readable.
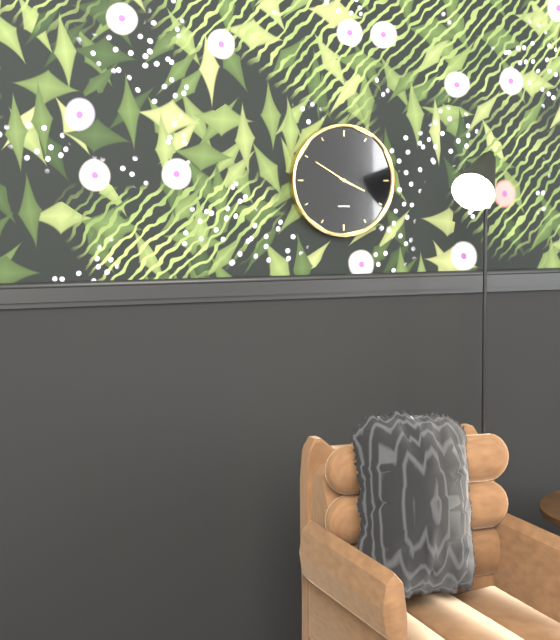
3.50
